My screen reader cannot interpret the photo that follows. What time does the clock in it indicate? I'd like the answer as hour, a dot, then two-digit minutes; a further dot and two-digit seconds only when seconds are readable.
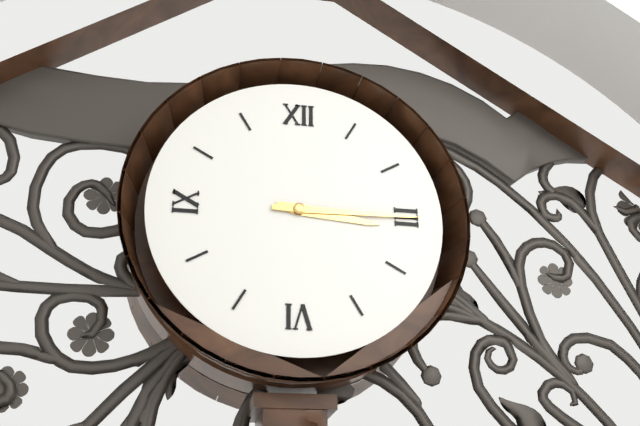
3.15
